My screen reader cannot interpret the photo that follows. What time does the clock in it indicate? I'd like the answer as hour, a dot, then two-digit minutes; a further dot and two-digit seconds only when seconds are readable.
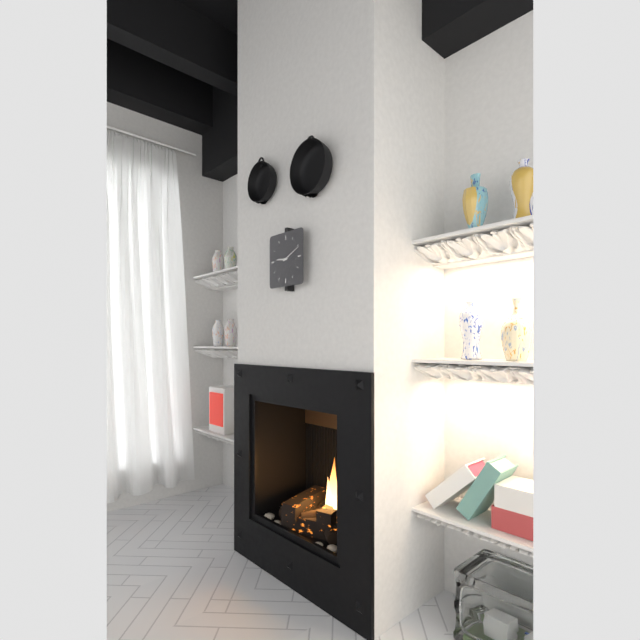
9.11
